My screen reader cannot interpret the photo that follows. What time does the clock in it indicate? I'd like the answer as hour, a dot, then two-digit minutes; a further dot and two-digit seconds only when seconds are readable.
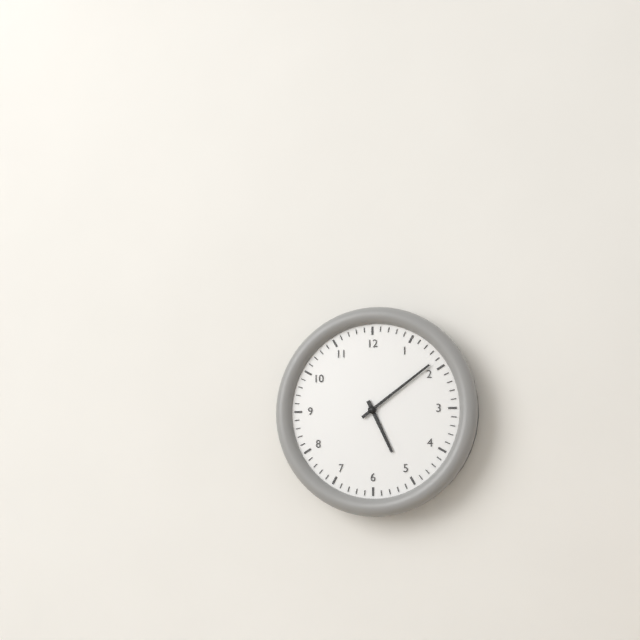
5.09
